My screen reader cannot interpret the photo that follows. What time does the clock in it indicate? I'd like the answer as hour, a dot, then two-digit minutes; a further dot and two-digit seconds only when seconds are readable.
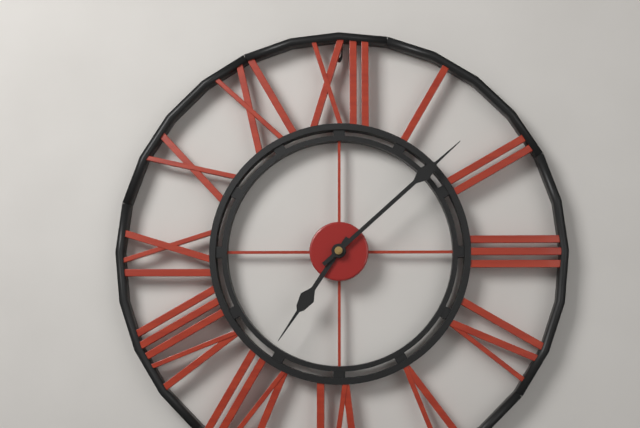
7.08
